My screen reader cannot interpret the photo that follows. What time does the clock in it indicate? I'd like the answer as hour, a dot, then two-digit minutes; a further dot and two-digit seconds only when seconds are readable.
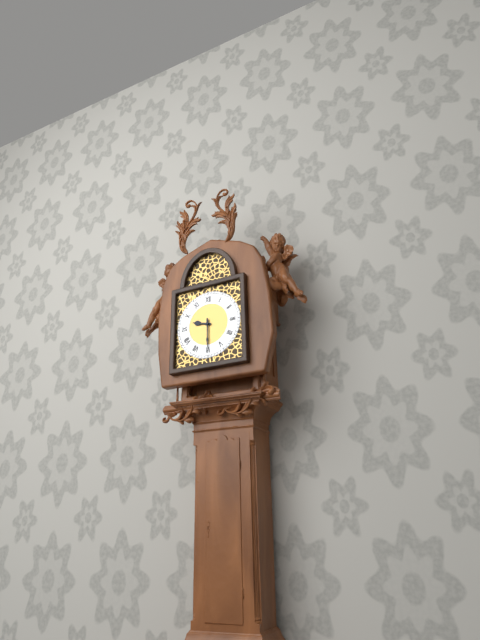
9.30
